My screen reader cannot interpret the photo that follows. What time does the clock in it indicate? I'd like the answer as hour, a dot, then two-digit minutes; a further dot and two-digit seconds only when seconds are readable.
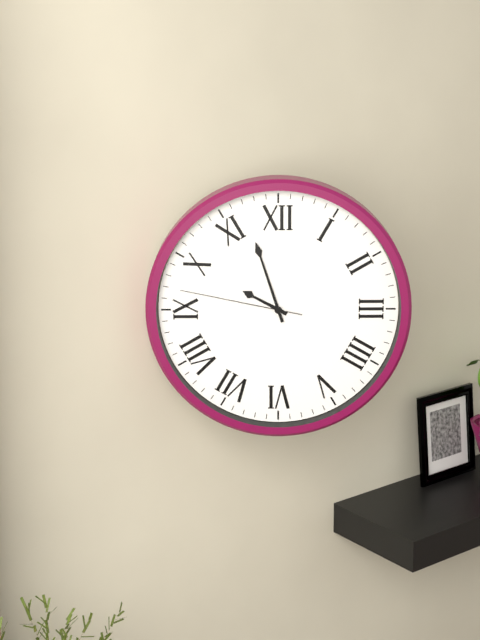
9.57.47
